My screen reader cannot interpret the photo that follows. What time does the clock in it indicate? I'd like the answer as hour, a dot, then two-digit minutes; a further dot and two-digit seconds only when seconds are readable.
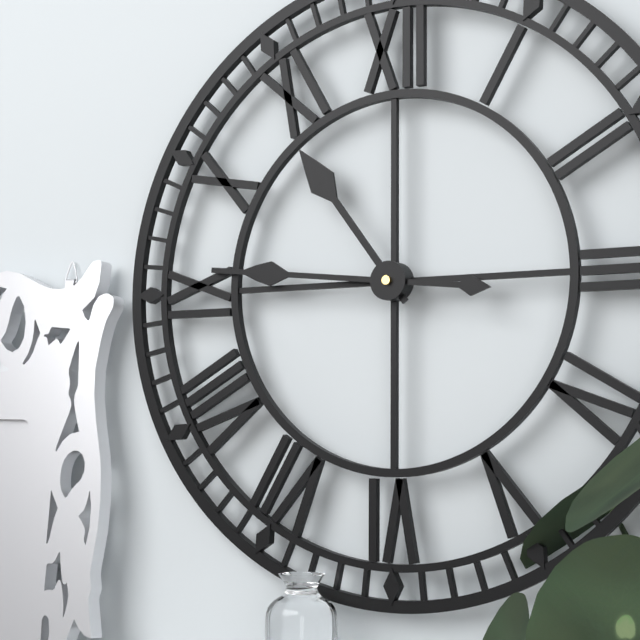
10.46
